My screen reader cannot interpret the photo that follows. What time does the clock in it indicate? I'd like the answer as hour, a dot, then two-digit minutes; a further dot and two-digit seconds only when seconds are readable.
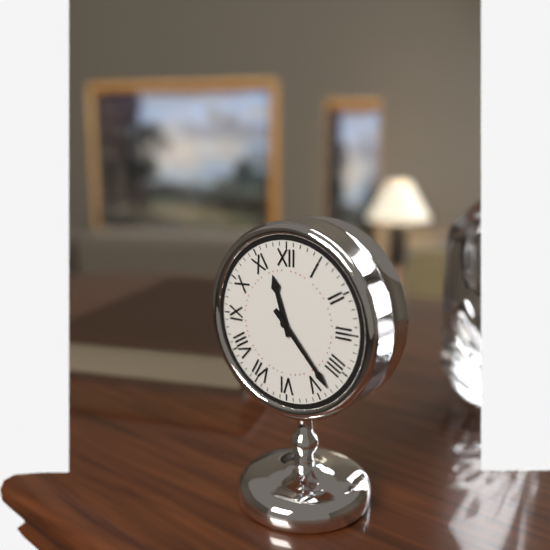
11.23
